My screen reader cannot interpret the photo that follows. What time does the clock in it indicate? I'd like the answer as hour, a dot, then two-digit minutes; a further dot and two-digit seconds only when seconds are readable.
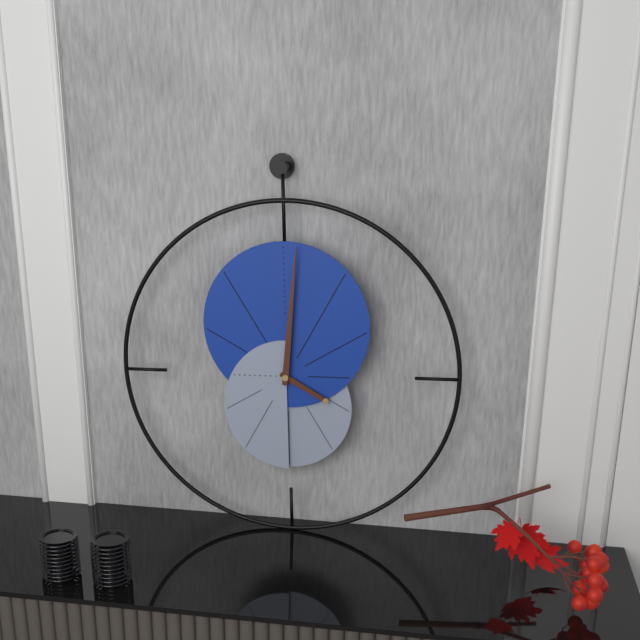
4.01
